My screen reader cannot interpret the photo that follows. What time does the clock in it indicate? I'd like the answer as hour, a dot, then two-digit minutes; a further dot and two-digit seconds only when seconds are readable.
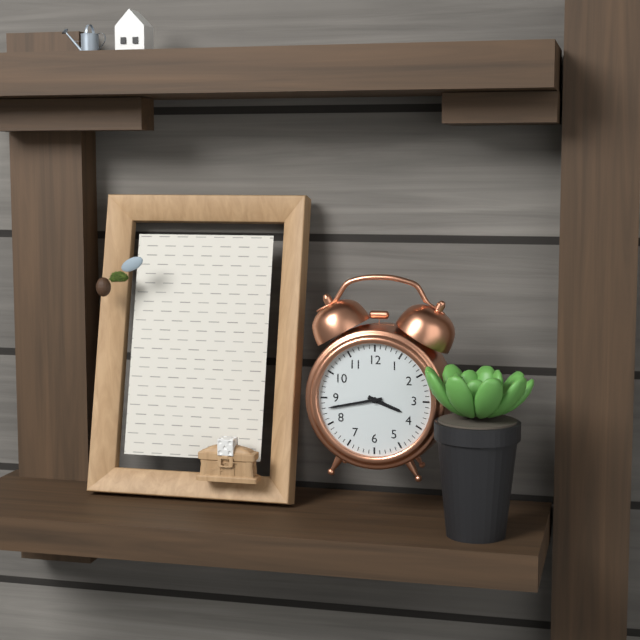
3.43
